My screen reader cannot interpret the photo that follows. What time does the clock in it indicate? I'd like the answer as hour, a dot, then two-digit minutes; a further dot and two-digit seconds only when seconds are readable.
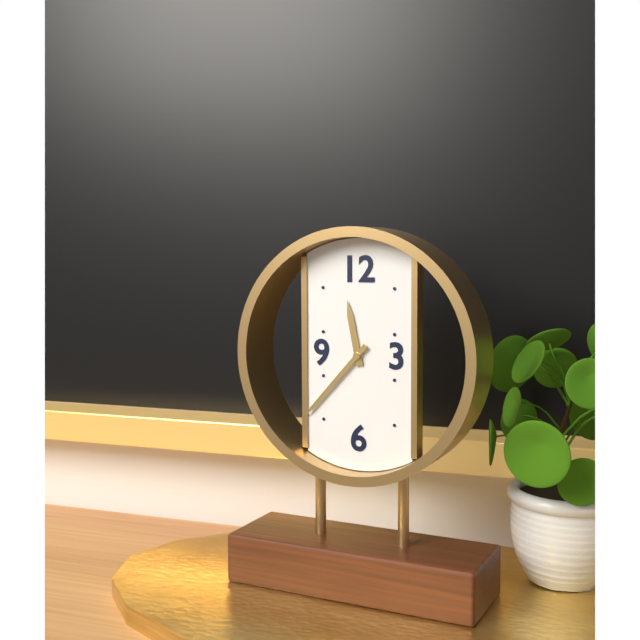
11.37
